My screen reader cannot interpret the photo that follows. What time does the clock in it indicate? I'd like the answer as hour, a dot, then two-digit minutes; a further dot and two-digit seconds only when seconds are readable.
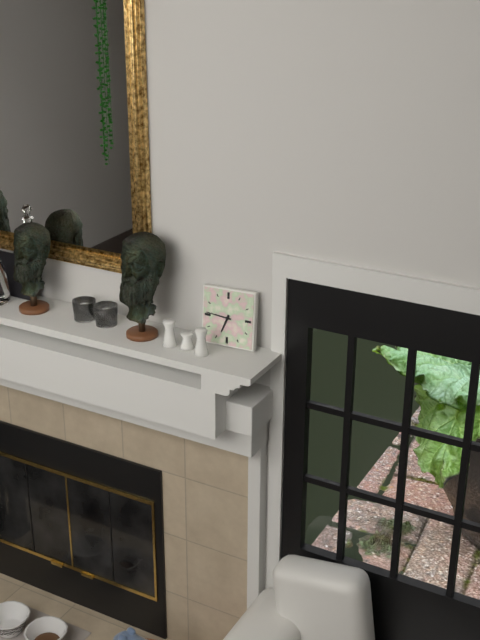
6.46
